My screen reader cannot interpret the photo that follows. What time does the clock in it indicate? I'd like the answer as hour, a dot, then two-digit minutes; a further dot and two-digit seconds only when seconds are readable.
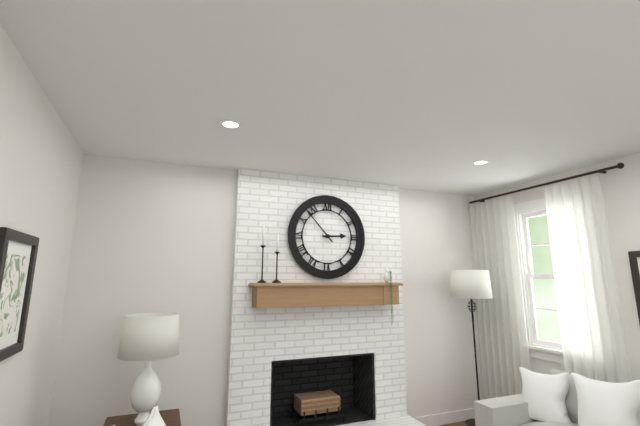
2.53
